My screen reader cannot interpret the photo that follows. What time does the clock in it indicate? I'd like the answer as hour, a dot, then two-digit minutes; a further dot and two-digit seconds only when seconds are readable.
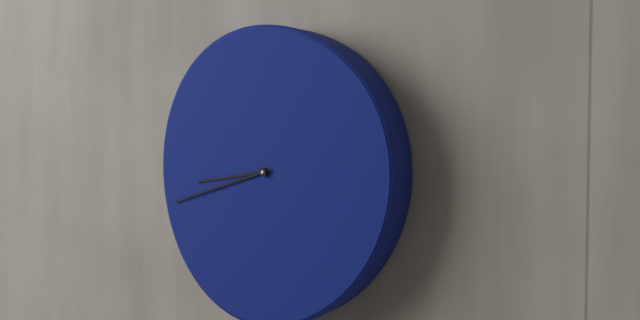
8.42
